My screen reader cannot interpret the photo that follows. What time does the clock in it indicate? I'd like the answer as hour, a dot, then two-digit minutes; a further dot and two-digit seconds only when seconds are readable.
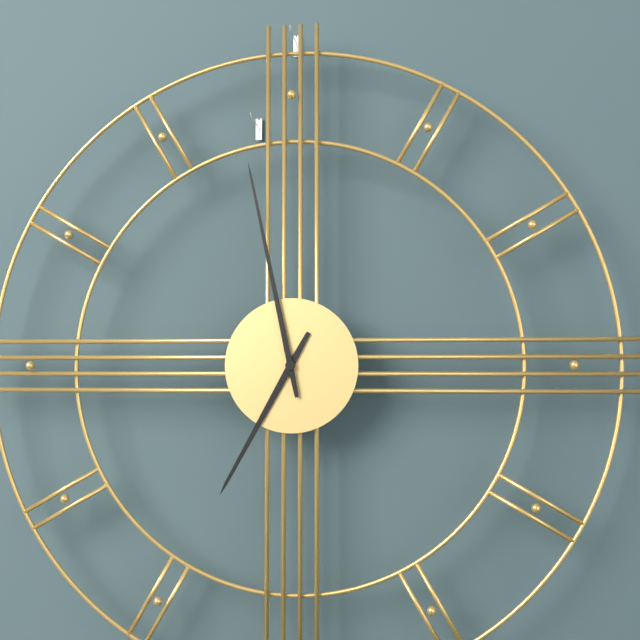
6.58
